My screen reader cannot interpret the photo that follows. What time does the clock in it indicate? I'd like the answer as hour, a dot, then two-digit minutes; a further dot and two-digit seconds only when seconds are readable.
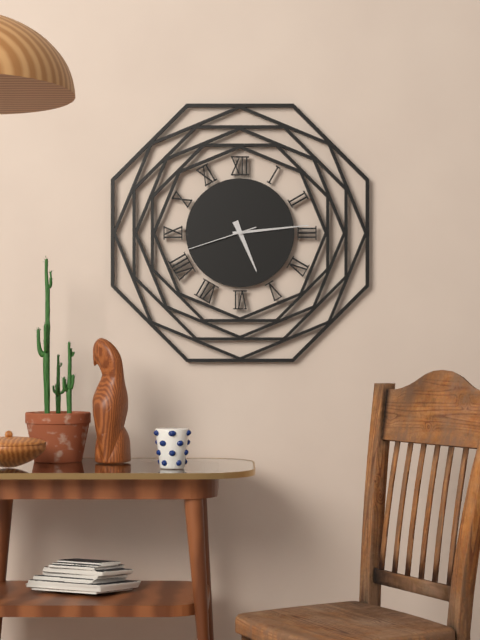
5.14.42
